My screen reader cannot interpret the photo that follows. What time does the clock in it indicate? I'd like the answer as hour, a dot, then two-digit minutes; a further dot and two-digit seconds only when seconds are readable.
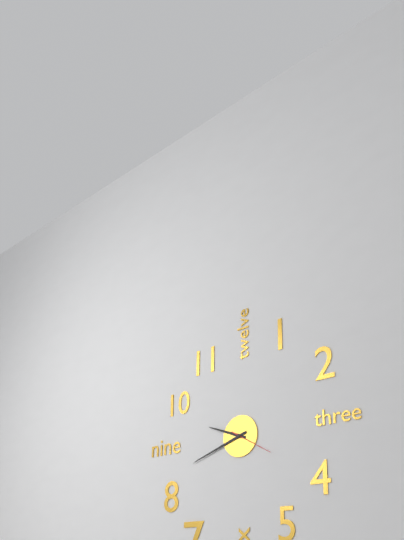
9.42
